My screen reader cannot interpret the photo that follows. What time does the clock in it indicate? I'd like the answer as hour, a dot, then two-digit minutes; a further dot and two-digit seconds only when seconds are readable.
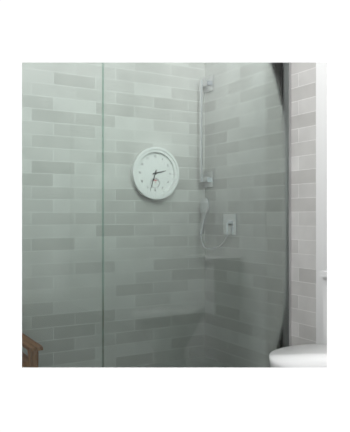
2.33
